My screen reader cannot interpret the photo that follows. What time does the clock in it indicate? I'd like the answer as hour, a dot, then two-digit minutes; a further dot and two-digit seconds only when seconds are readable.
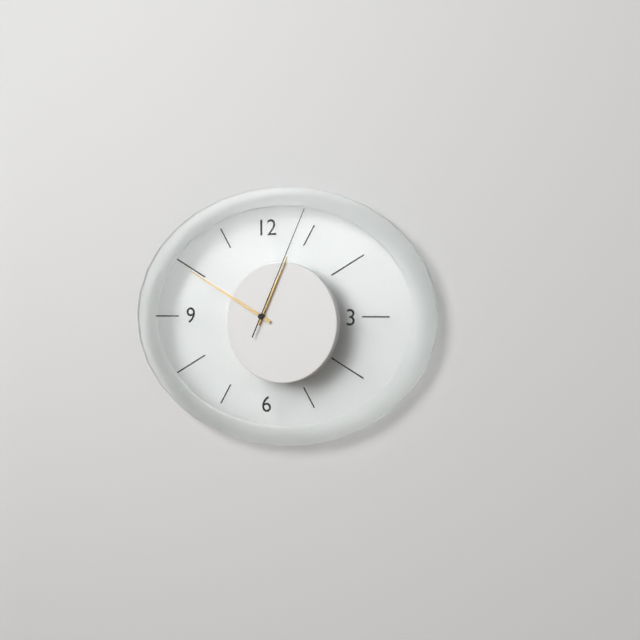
12.50.04
